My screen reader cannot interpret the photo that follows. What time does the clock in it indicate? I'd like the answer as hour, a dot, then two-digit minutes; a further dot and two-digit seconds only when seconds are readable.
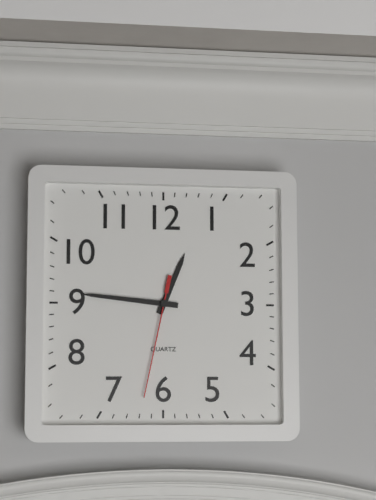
12.46.32
